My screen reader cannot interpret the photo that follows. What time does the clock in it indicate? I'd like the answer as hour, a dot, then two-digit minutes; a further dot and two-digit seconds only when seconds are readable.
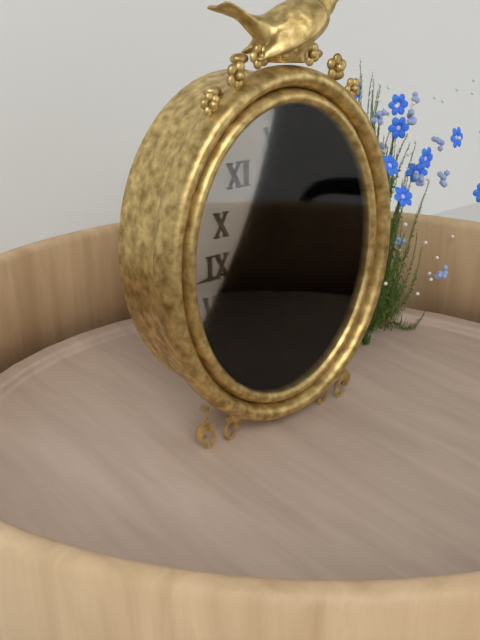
8.44.32
